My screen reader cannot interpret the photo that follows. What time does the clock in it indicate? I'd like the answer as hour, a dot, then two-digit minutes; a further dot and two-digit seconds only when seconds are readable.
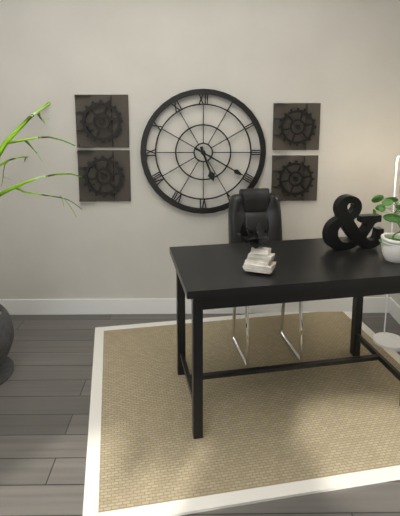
5.20
